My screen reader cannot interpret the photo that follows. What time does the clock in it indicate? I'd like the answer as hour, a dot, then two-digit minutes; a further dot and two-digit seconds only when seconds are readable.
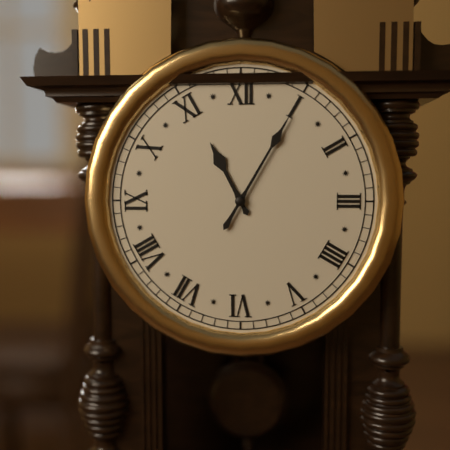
11.05
